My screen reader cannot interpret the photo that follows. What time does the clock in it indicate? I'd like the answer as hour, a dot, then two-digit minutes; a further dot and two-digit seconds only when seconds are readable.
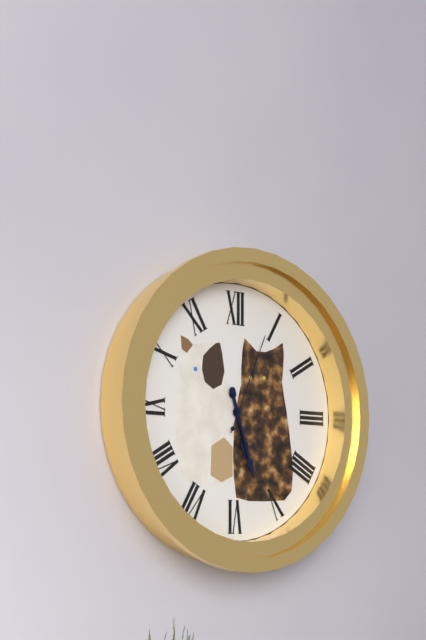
5.27.04
